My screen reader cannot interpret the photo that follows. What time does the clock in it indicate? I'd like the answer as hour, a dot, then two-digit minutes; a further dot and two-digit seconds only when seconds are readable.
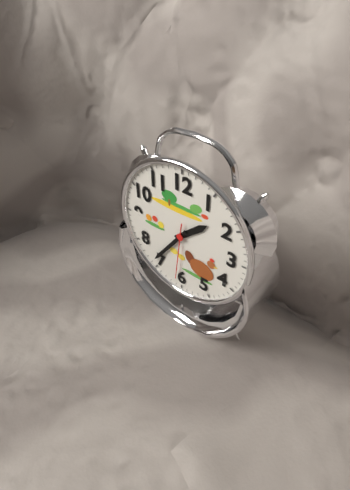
1.36.31
